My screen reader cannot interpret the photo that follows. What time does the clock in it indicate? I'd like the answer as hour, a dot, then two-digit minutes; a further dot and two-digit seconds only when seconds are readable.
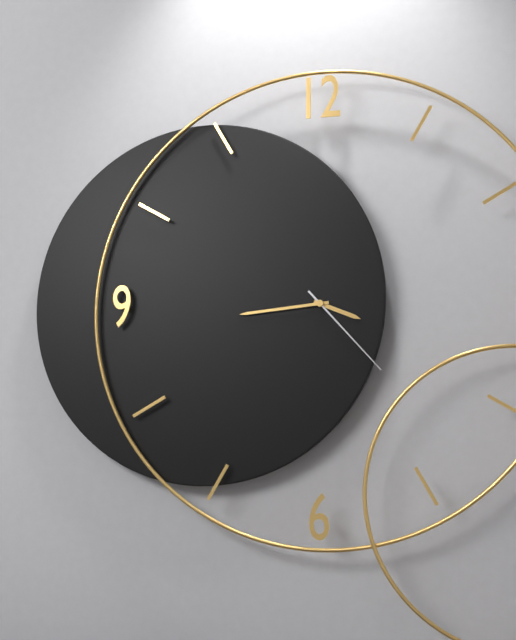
3.44.23
